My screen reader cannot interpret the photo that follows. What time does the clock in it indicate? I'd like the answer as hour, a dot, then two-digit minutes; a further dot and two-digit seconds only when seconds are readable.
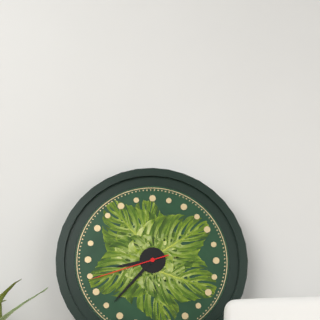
8.37.42
